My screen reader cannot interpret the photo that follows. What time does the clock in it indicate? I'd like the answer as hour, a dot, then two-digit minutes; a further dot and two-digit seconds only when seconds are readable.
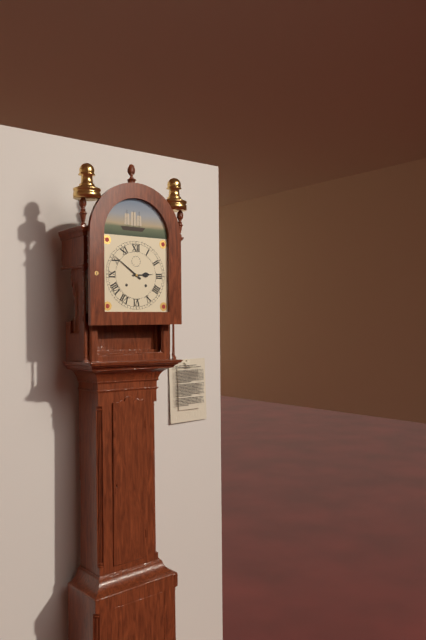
2.51
